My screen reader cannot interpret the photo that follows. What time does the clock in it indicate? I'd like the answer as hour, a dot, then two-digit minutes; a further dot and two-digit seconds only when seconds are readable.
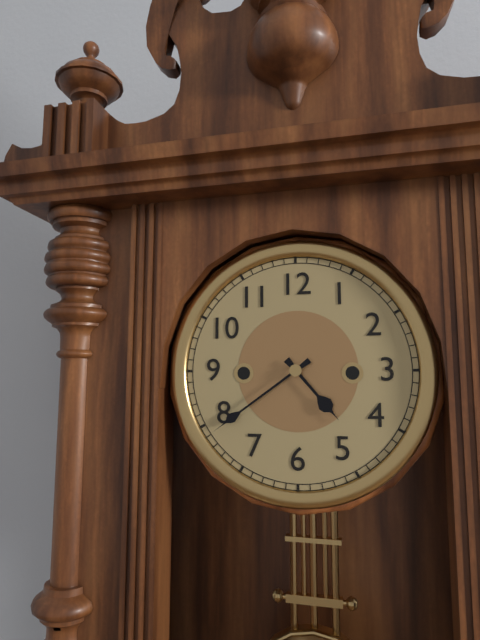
4.39
